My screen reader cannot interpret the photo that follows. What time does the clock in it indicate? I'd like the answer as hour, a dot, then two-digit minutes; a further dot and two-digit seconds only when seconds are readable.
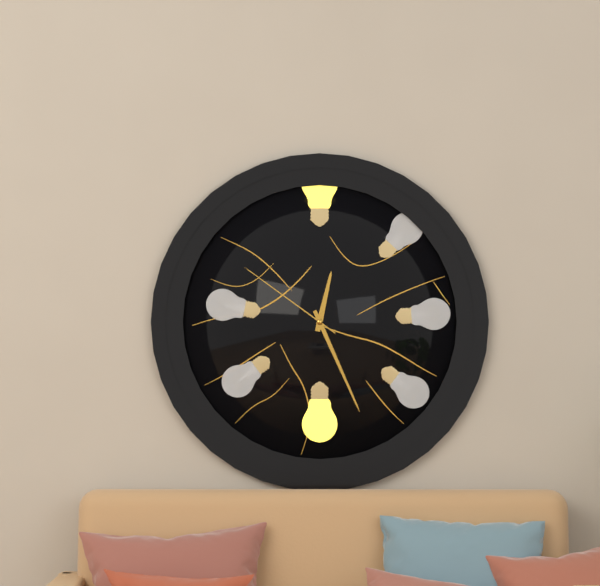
12.26.51
